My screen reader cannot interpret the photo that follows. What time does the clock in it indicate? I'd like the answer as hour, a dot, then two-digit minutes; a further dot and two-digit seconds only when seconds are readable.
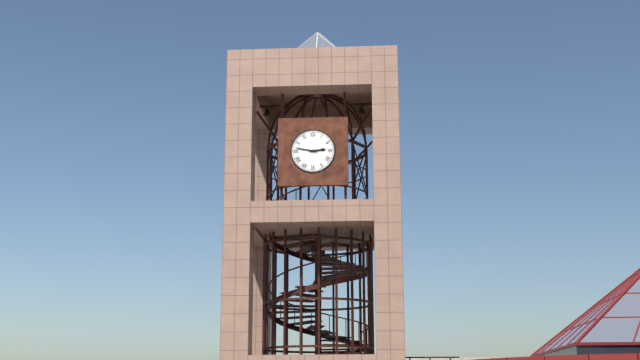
2.47
